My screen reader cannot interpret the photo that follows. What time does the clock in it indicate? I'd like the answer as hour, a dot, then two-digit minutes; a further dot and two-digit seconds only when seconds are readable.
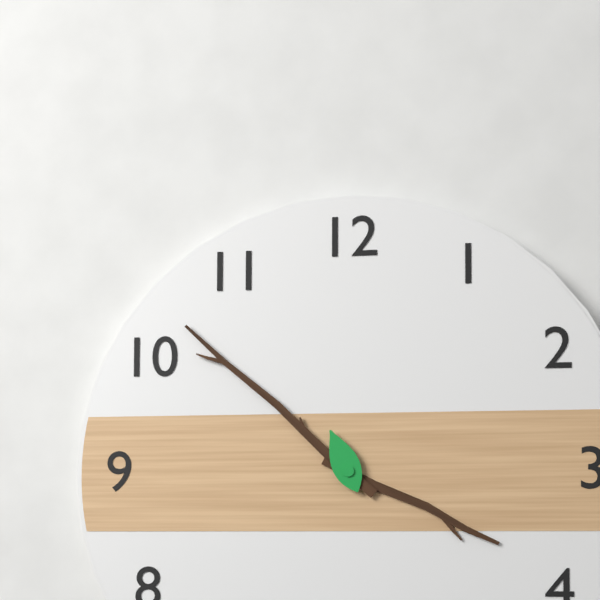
3.52.56
